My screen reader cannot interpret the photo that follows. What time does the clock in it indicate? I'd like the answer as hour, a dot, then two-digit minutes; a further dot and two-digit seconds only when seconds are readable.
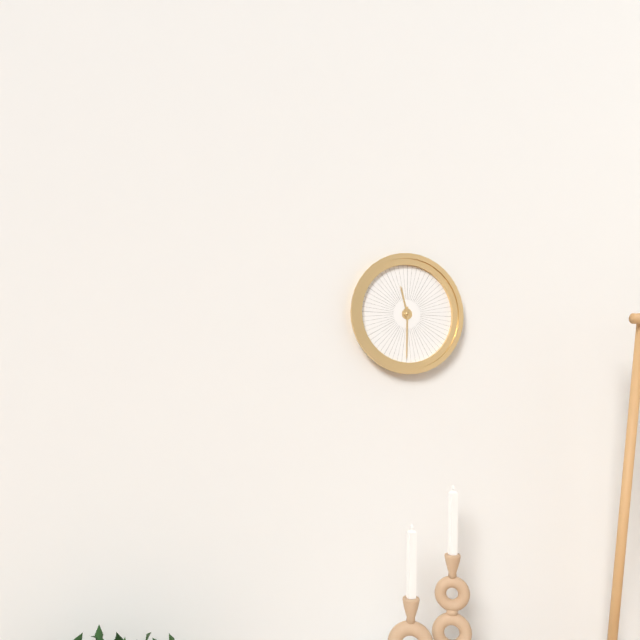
11.30
